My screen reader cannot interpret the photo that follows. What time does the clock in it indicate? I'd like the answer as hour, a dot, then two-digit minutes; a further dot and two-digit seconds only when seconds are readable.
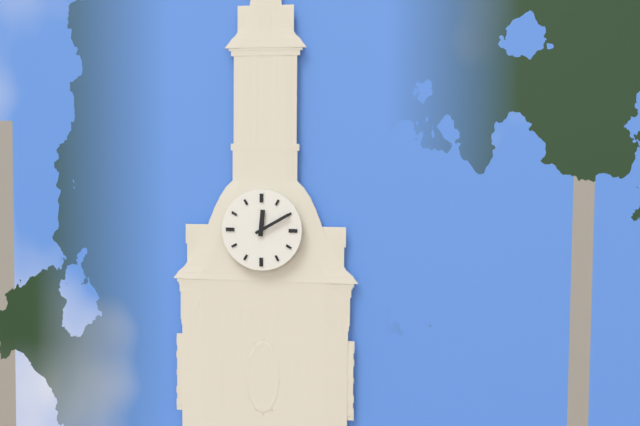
12.10
